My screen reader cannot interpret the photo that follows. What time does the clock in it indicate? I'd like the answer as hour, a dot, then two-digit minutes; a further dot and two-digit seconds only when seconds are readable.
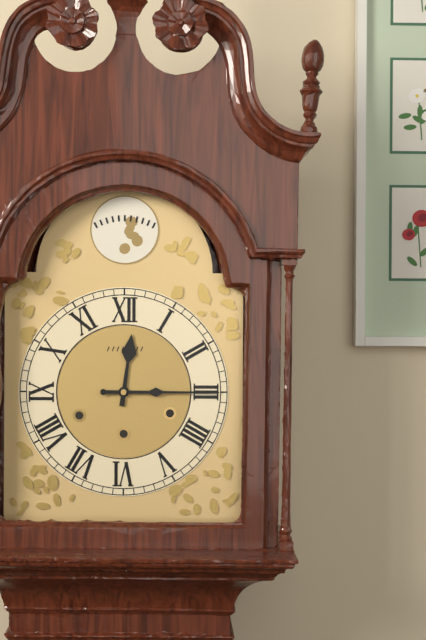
12.15
